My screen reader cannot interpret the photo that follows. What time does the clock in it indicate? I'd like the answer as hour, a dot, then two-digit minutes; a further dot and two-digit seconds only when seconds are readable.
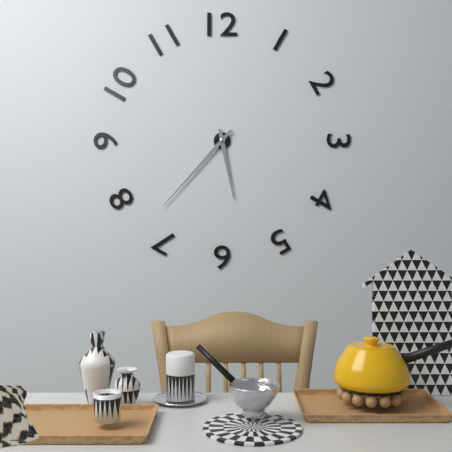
5.37
